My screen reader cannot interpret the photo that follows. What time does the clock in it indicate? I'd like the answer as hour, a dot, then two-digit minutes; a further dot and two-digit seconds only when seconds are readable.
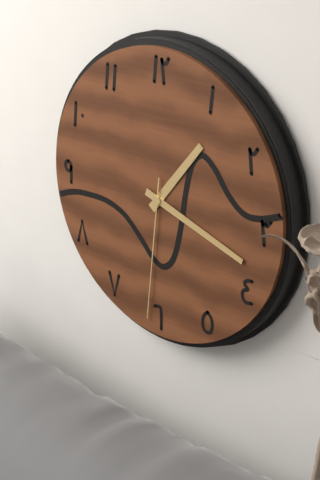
1.18.31
